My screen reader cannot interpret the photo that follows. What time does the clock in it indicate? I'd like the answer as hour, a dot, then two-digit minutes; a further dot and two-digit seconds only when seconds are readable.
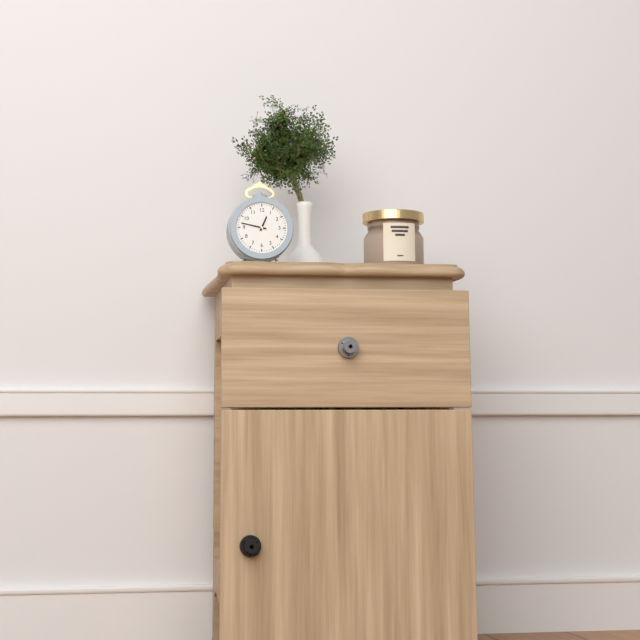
12.47
